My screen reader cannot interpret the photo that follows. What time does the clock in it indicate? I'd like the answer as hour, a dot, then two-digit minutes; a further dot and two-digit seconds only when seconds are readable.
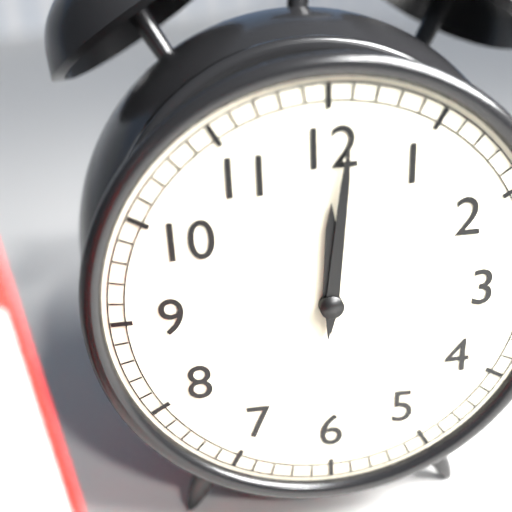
12.01
